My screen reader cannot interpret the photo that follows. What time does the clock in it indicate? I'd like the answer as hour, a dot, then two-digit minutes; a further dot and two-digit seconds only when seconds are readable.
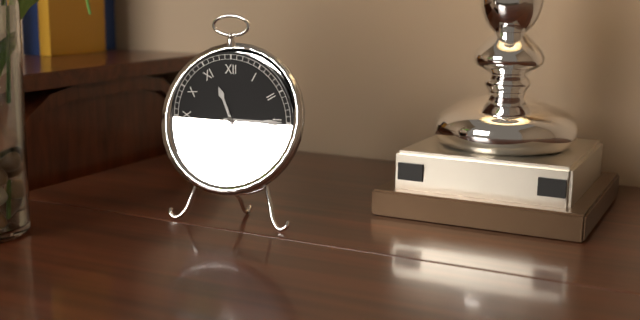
11.15
